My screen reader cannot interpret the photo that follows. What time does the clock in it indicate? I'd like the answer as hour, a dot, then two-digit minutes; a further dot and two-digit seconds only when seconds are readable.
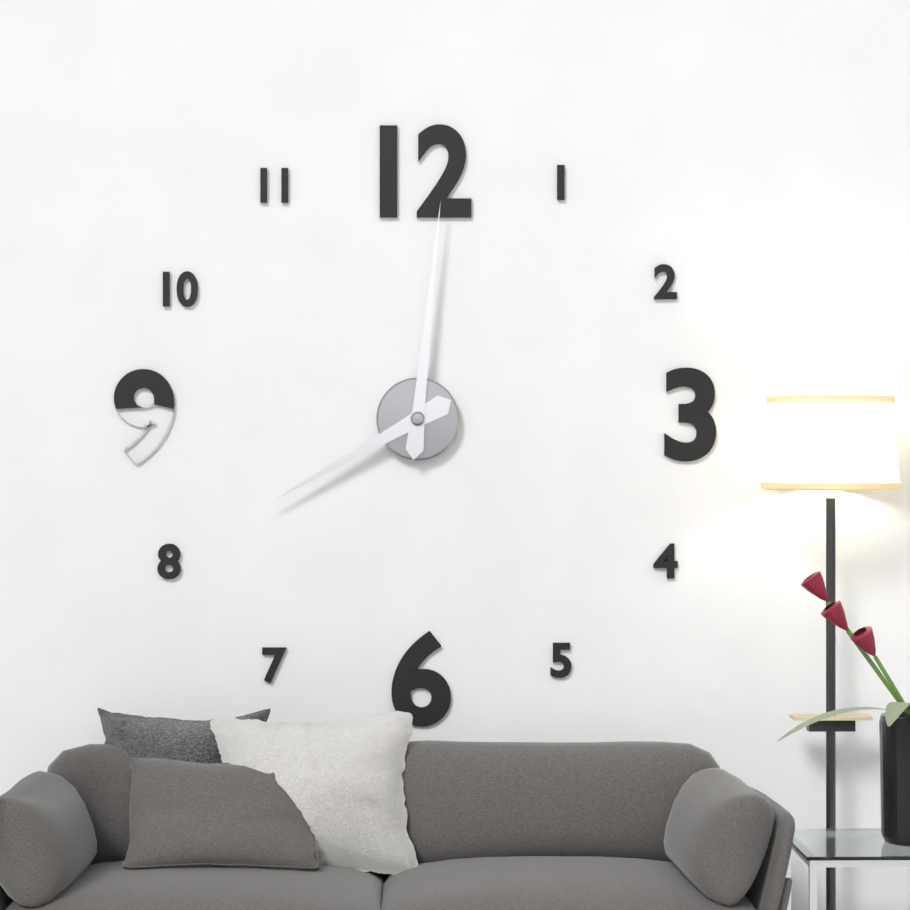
8.01
